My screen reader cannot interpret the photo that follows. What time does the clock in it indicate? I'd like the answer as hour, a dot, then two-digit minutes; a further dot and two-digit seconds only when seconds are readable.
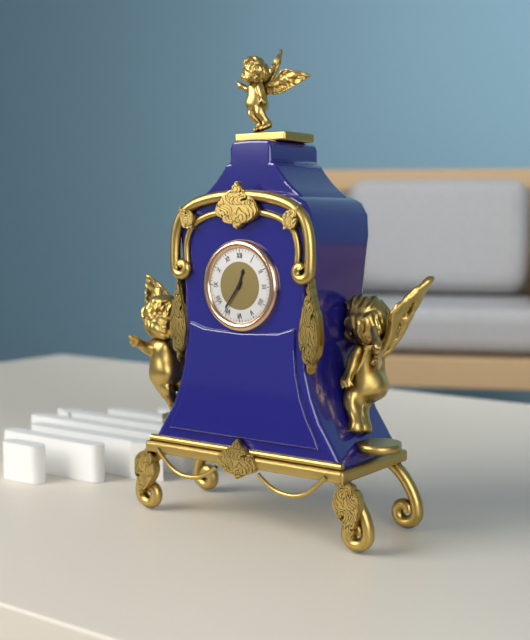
12.36
